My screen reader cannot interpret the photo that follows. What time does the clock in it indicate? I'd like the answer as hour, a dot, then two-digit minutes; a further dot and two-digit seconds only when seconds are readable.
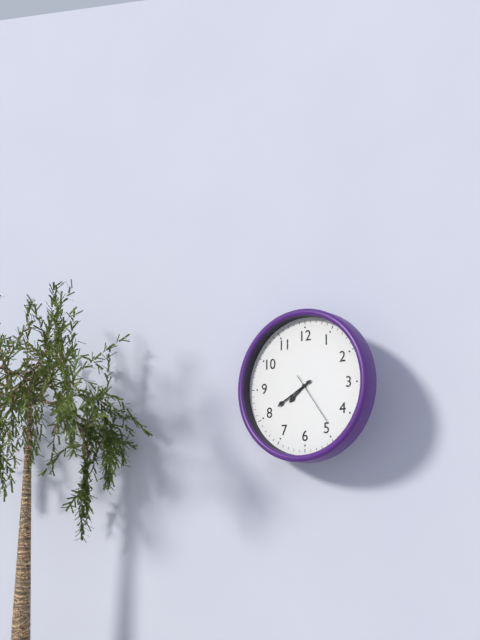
7.40.24
